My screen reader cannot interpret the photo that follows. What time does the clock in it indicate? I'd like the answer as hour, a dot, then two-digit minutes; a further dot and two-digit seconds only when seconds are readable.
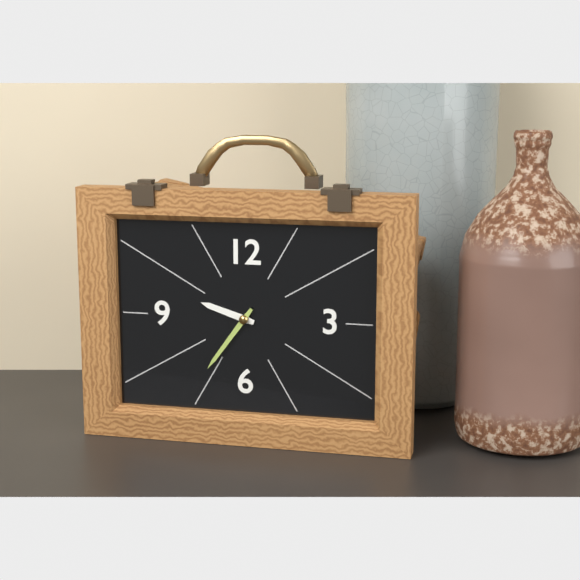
9.36
